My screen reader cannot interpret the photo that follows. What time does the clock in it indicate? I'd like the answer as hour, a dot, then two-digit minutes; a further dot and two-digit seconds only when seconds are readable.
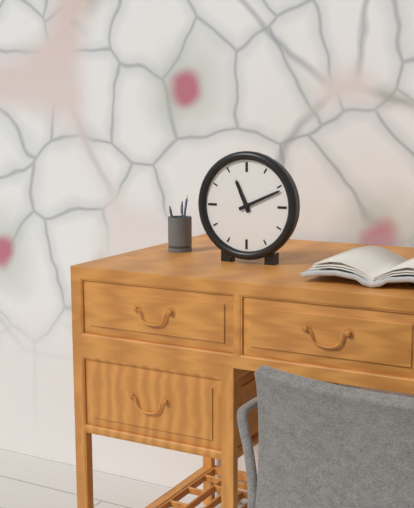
11.11
